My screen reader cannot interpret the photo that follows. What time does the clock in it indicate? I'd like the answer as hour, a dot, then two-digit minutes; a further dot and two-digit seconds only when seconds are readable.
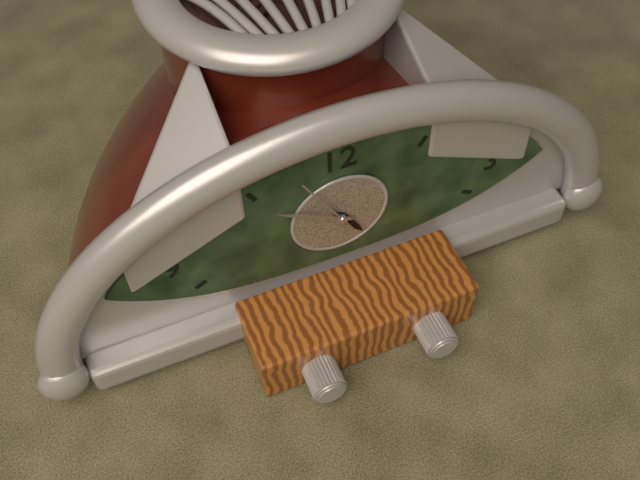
4.50.55
